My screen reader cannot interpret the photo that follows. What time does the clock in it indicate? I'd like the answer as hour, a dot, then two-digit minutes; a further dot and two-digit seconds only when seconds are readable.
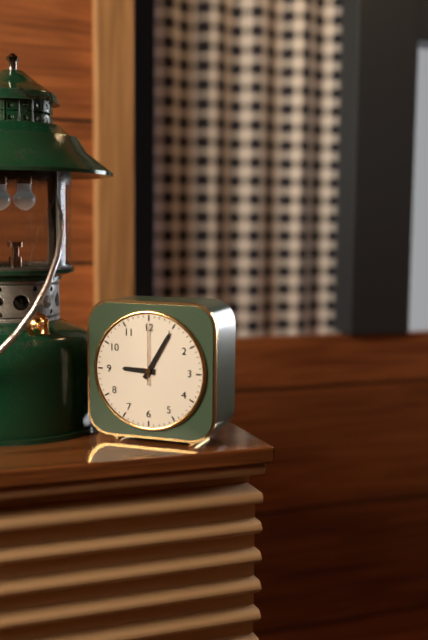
9.05.00
